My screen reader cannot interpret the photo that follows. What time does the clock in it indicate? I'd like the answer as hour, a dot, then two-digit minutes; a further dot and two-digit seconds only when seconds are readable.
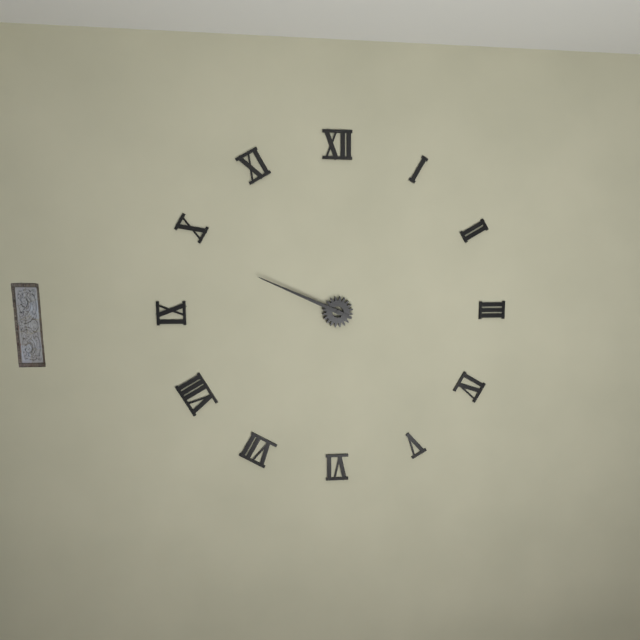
9.49
